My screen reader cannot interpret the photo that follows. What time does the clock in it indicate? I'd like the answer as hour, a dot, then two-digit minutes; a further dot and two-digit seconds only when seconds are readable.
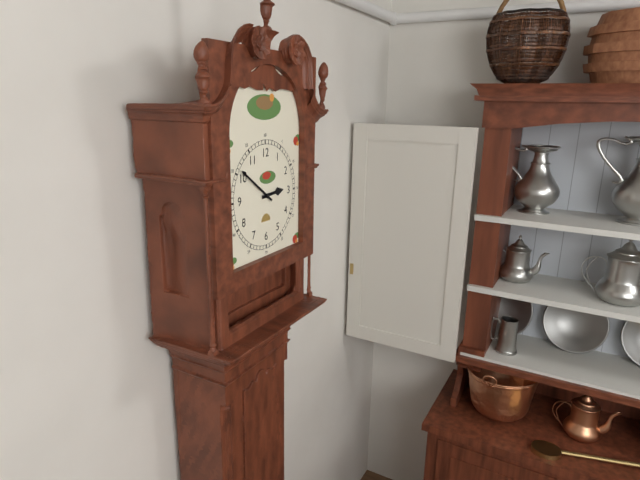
2.51
